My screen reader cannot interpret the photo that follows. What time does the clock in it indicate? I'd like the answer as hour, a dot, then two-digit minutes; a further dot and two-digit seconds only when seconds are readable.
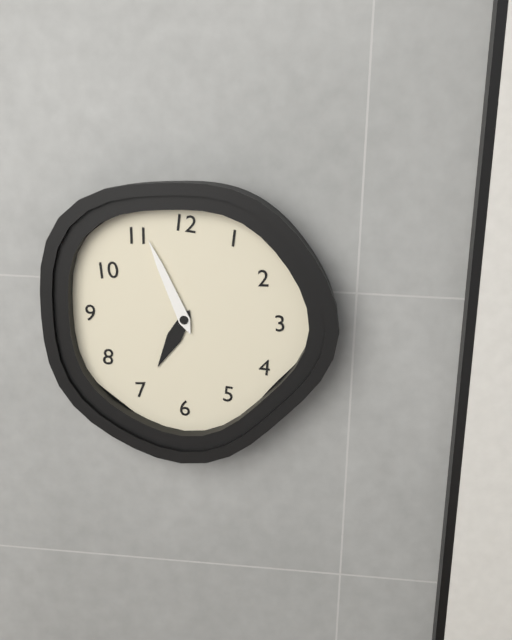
6.56
